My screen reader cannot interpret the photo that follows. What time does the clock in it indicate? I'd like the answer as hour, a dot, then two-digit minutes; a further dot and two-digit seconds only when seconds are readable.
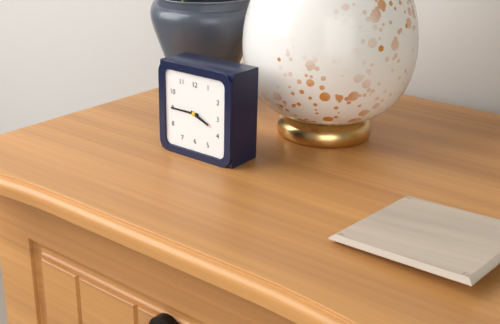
3.45
